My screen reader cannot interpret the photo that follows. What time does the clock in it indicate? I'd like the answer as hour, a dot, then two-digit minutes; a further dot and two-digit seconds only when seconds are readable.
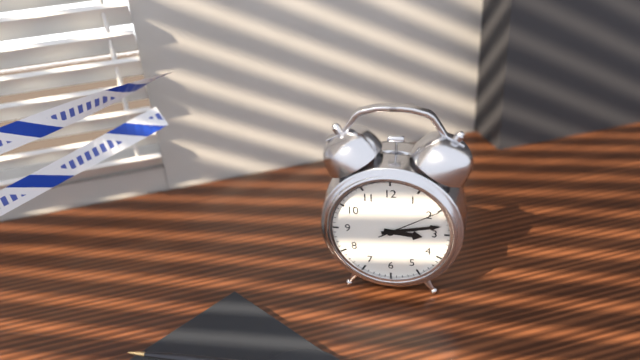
3.13.10
